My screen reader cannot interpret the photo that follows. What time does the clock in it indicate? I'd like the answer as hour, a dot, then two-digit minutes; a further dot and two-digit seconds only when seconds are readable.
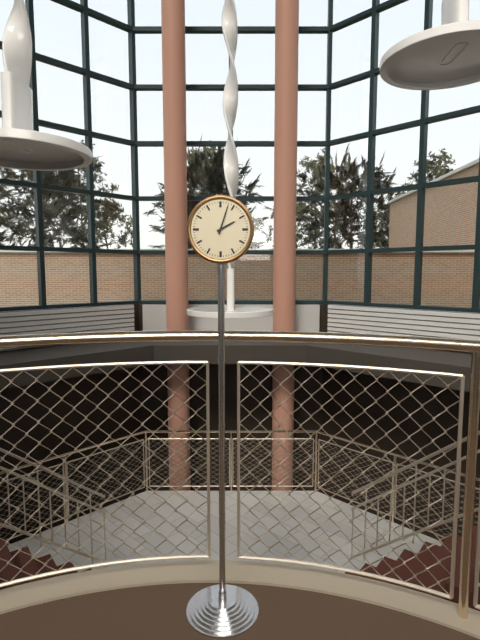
2.03
